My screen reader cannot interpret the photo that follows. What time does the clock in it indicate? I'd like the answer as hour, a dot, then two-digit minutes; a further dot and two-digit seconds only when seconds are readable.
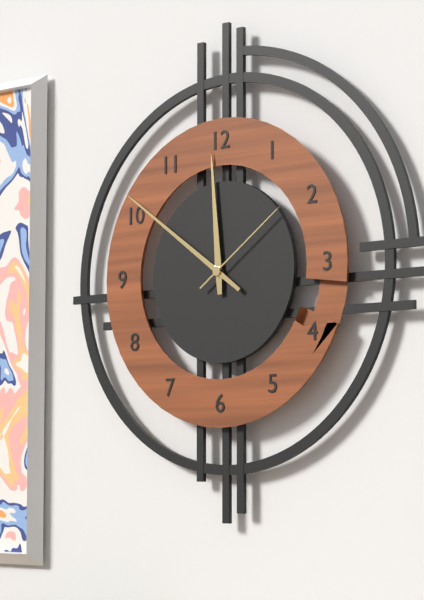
11.51.09
